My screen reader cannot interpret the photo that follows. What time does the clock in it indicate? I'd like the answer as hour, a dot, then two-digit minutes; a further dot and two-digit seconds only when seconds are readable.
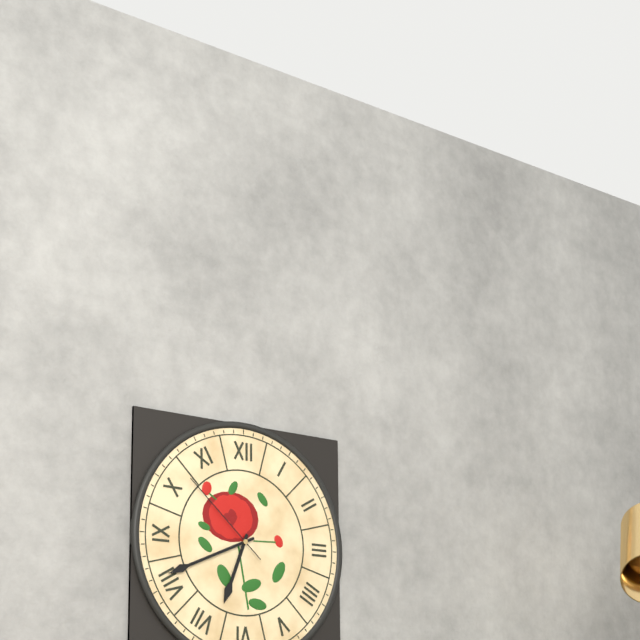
6.41.52
